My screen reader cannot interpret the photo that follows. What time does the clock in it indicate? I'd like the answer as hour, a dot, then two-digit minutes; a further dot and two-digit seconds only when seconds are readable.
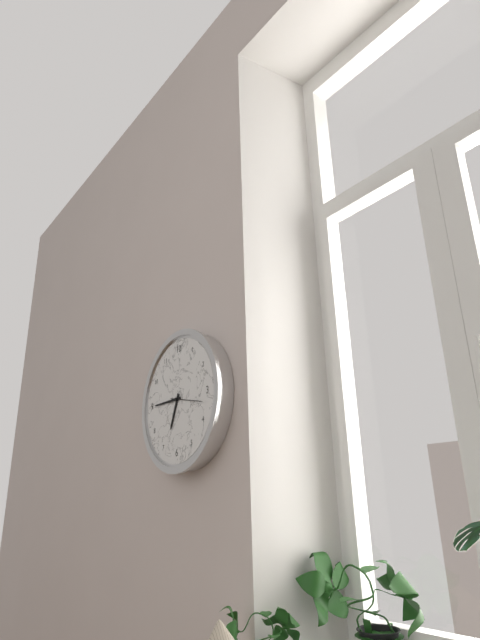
6.45
